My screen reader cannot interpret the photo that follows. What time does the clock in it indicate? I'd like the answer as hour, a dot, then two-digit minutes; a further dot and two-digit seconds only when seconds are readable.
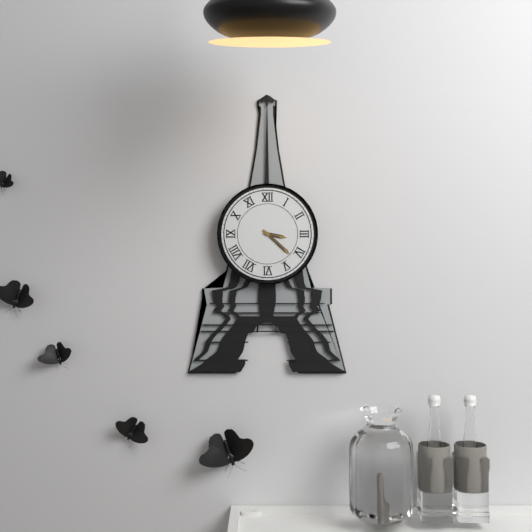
3.22
